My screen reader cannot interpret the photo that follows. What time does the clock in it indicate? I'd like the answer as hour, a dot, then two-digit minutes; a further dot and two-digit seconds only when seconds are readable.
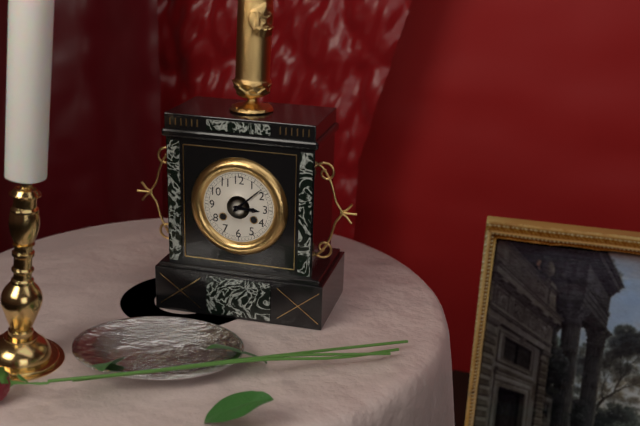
3.08
